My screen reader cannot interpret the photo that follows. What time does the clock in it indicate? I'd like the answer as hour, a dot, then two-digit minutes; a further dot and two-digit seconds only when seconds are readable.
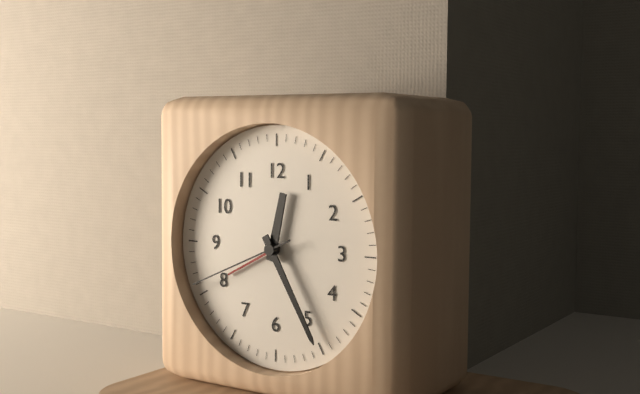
12.25.41
